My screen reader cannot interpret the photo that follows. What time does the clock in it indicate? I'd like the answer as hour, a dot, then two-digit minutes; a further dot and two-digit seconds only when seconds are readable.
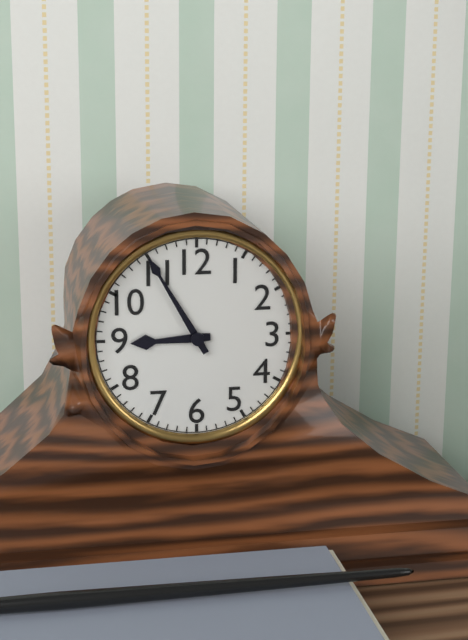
8.55
